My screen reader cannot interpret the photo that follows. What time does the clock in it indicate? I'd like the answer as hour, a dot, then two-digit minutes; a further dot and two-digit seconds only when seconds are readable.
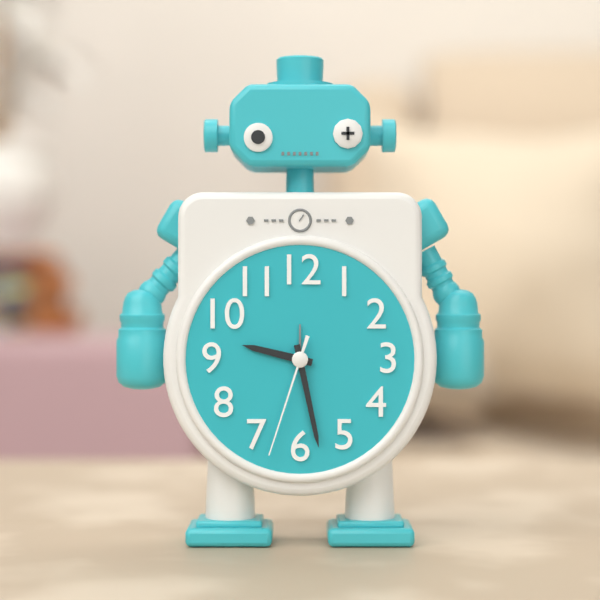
9.28.33
